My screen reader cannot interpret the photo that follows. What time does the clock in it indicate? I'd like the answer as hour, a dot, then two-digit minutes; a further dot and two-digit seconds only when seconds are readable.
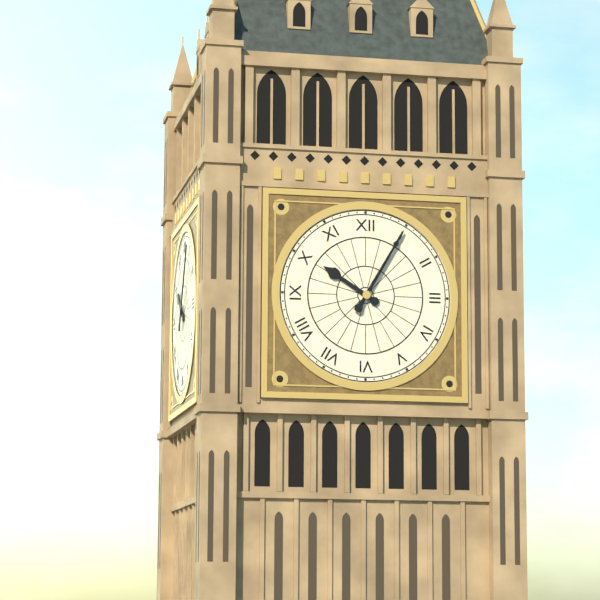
10.05
